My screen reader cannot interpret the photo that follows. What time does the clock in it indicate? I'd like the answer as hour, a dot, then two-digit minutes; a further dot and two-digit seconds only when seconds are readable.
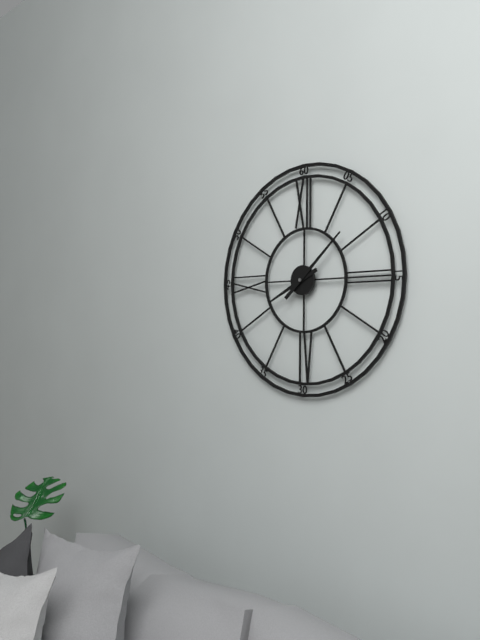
8.08
